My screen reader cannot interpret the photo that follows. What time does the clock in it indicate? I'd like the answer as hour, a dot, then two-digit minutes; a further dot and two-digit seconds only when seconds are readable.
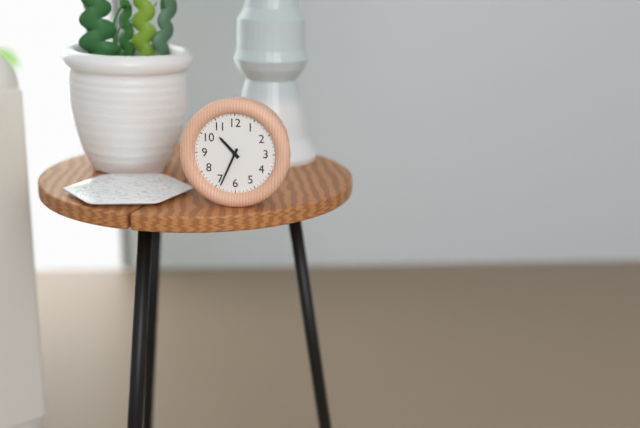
10.34
